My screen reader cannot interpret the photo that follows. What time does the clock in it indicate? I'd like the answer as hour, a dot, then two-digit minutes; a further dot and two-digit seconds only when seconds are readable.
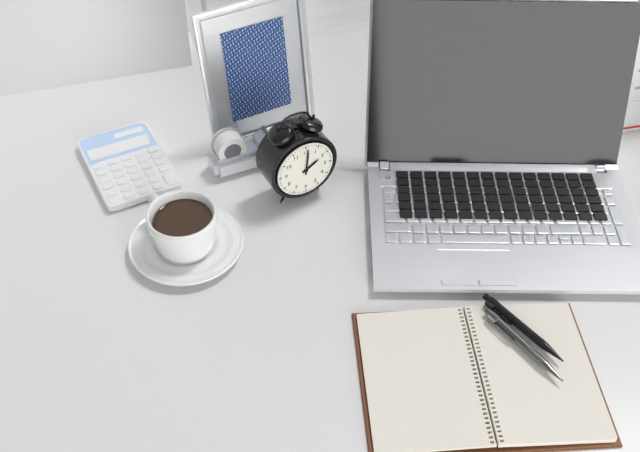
2.01
